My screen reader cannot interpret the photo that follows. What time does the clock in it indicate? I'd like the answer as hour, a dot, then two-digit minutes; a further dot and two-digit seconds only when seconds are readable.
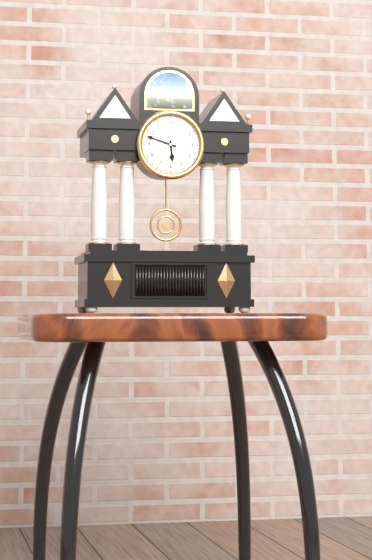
5.48
